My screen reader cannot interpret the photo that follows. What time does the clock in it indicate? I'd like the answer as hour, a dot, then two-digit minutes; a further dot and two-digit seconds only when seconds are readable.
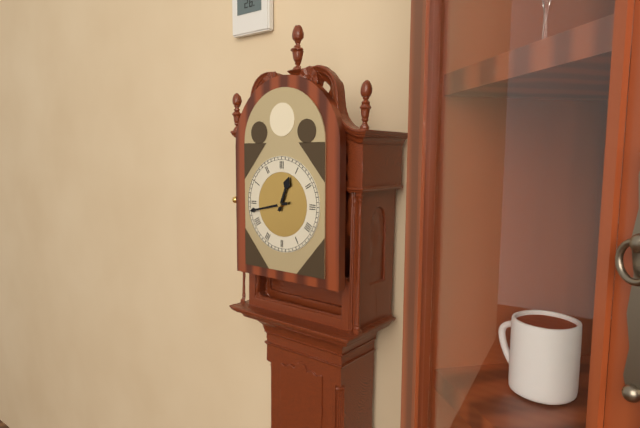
12.43
